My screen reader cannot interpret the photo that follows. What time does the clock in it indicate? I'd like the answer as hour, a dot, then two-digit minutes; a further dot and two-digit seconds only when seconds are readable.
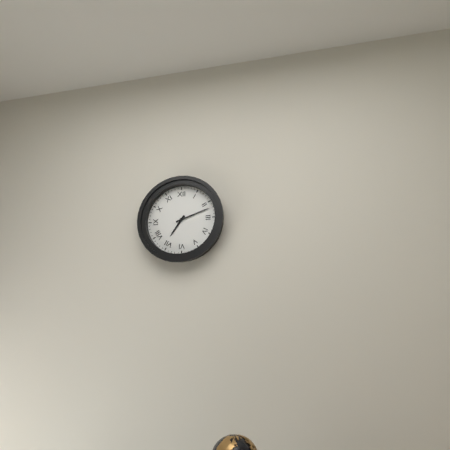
7.12
